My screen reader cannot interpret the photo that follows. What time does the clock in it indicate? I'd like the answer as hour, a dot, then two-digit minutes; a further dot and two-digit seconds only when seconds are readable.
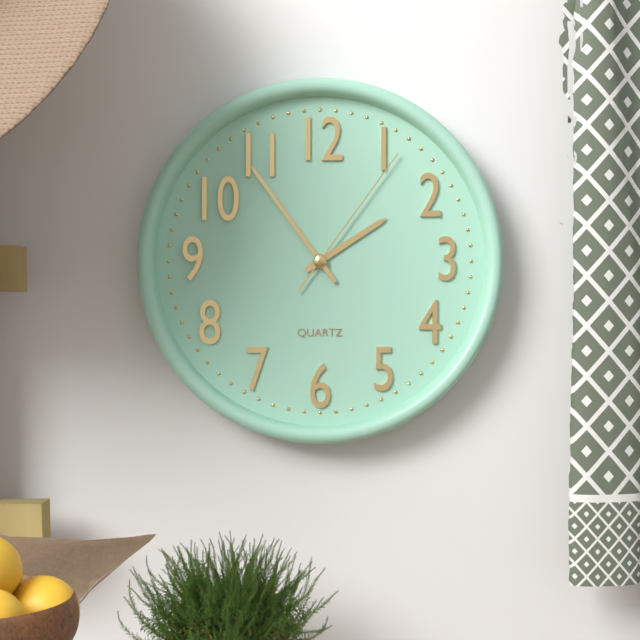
1.54.06
